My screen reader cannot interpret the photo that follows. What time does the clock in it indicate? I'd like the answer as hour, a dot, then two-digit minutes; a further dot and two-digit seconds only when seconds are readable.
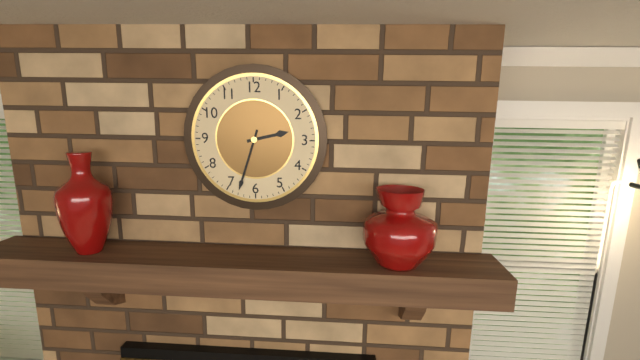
2.33
